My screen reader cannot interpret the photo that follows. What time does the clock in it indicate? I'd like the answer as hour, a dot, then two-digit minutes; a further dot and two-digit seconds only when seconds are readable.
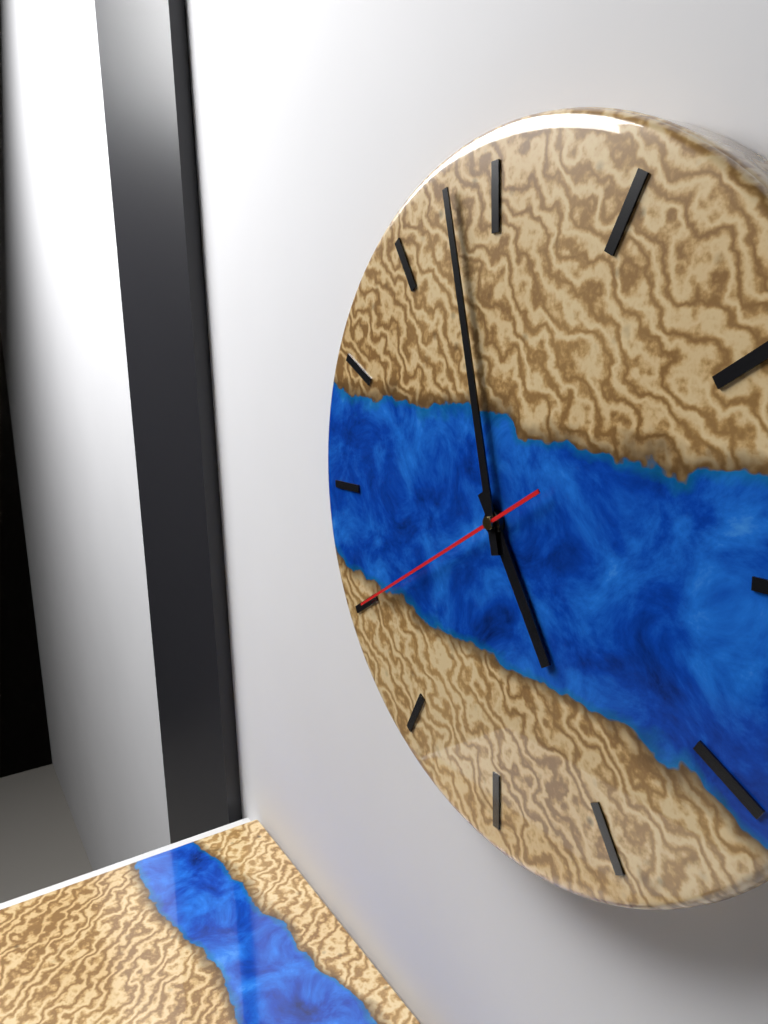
4.58.40
